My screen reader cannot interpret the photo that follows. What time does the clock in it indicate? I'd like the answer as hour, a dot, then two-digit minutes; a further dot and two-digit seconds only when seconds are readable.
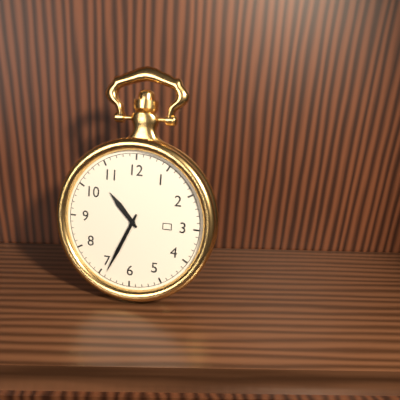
10.34
